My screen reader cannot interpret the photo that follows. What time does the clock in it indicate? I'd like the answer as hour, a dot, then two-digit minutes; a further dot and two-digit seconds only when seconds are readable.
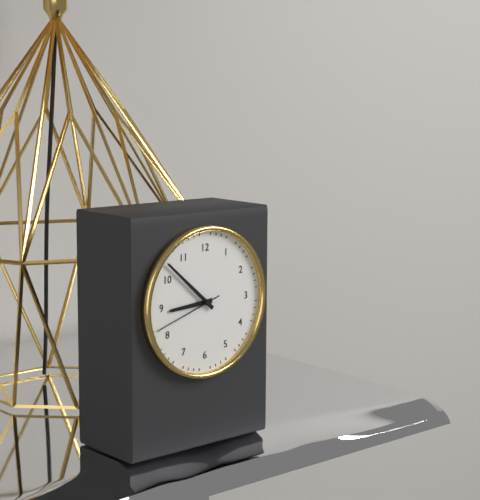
8.52.42
